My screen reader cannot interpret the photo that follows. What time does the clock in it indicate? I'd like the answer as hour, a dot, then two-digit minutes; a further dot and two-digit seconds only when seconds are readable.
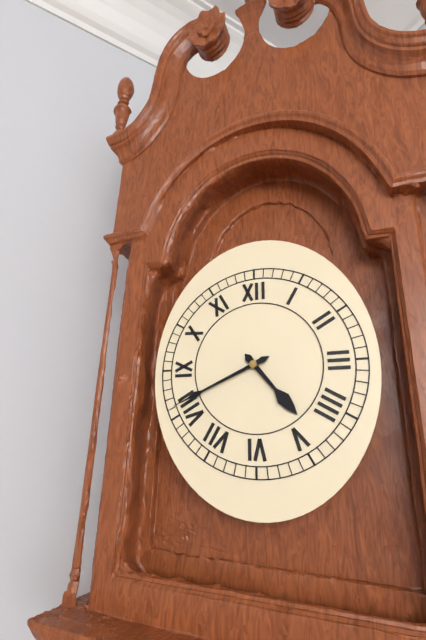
4.41
